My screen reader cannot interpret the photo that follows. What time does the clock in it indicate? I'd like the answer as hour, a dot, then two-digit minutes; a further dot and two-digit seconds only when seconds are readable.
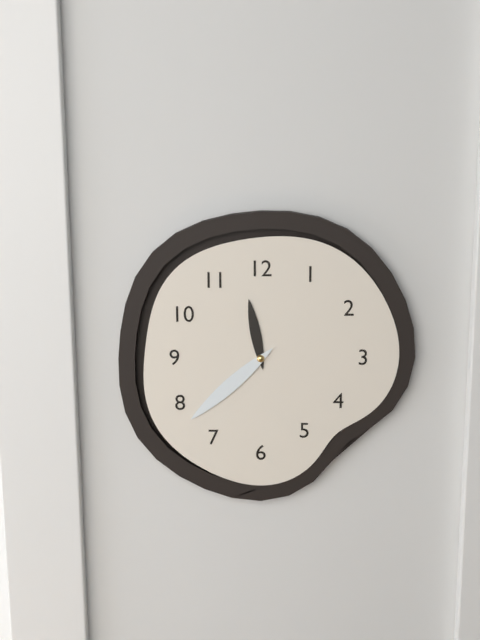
11.38
